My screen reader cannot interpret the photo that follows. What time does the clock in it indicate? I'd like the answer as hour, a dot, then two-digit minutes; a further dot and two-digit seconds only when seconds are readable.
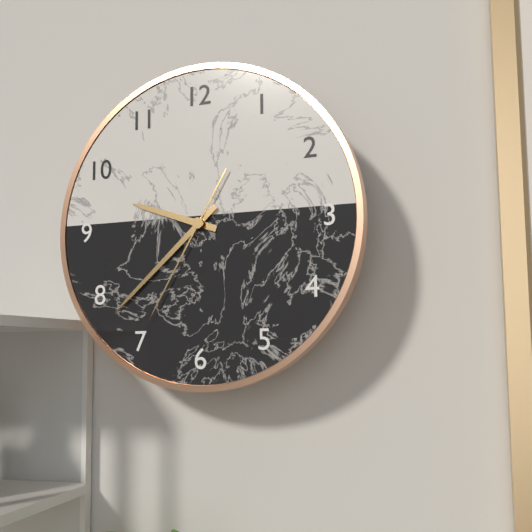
9.38.35
